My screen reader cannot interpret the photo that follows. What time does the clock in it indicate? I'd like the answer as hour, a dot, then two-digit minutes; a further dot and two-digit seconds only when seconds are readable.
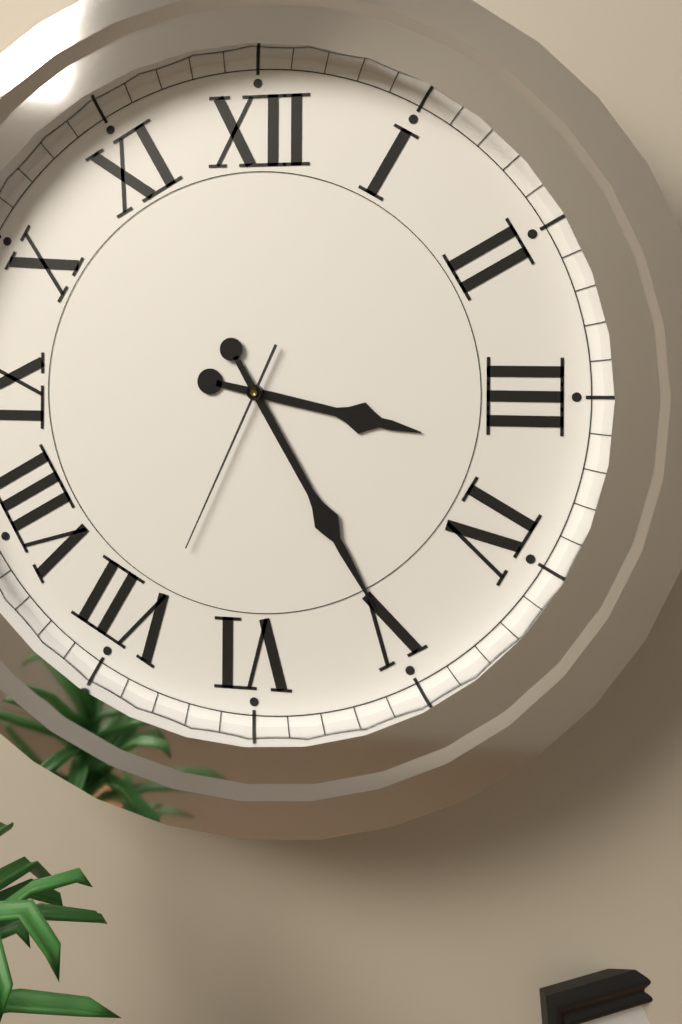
3.25.34
